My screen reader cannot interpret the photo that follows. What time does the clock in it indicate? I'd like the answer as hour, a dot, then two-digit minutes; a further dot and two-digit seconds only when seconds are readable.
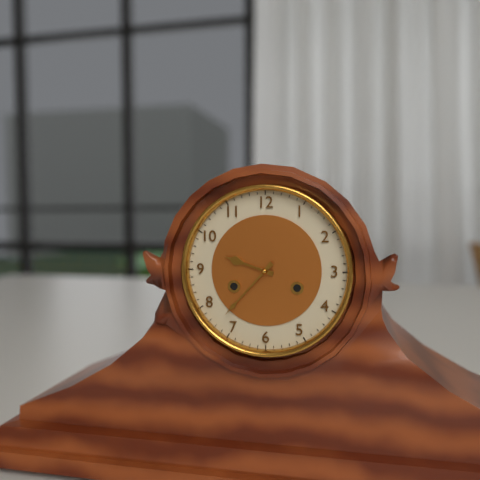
9.37
